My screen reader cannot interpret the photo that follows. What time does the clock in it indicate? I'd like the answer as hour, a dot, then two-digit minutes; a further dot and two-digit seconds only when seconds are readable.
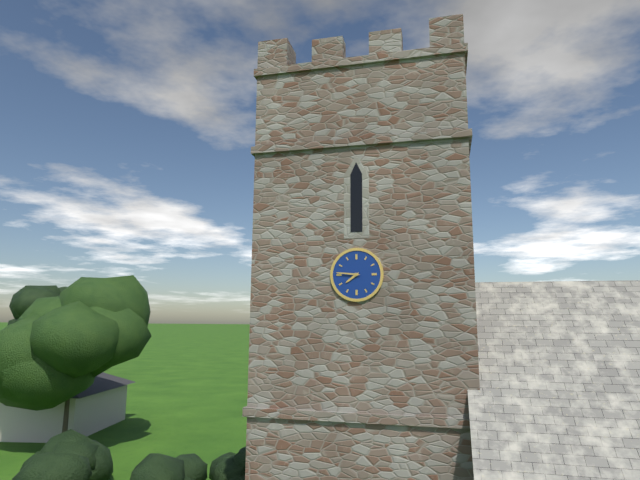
7.46
